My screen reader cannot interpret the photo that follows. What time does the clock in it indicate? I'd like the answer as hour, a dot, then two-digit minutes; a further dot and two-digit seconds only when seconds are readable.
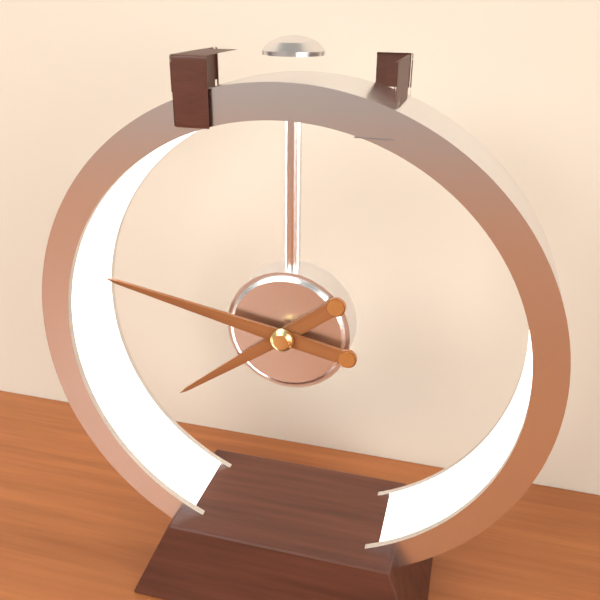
7.47
